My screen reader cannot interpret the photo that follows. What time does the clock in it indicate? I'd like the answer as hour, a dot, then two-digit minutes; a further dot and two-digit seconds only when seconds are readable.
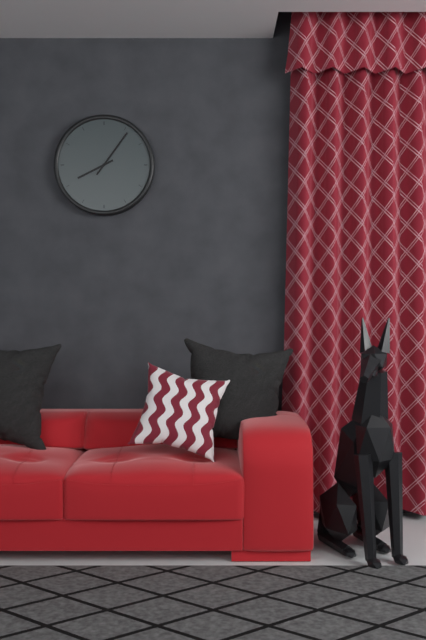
8.06
